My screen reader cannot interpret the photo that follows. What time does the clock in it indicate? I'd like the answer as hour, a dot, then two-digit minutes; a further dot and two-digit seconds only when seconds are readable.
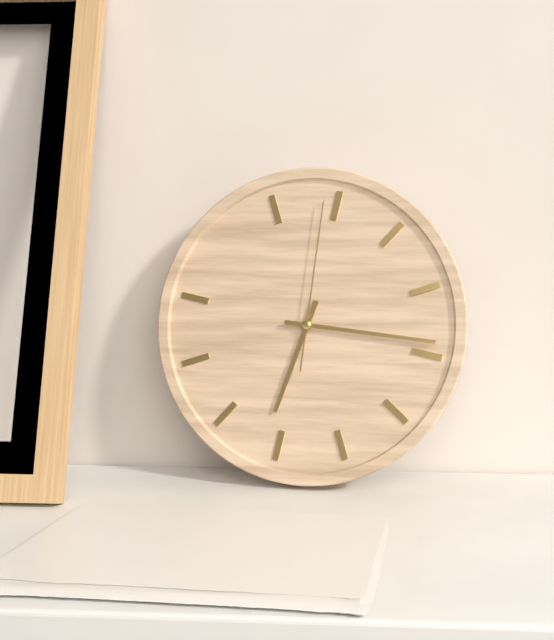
6.14.59
